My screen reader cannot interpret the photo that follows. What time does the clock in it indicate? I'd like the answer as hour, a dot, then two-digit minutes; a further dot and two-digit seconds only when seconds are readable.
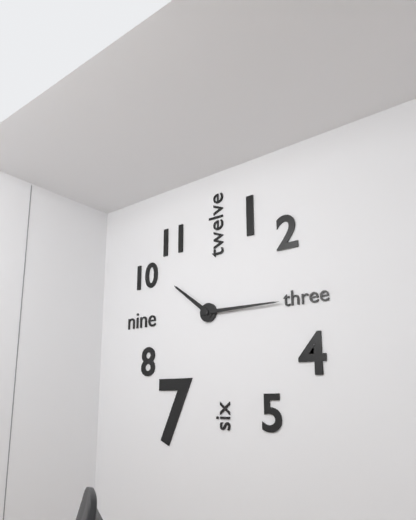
10.15
